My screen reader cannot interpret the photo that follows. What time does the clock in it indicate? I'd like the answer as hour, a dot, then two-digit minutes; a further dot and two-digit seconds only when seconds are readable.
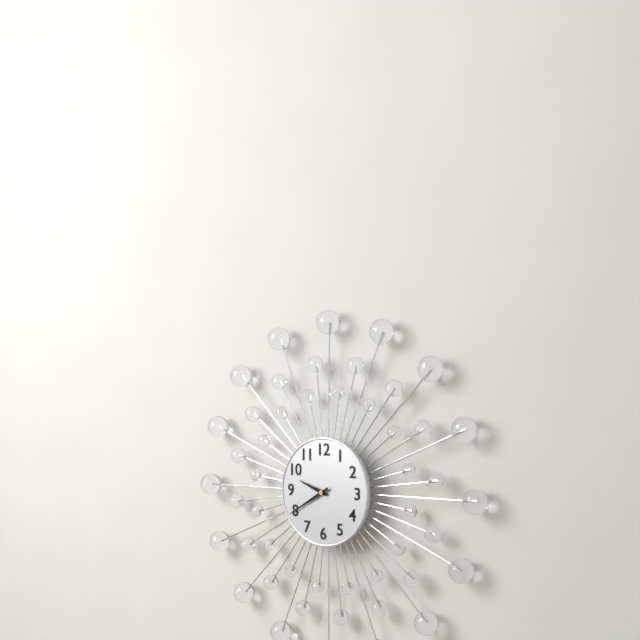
9.40
